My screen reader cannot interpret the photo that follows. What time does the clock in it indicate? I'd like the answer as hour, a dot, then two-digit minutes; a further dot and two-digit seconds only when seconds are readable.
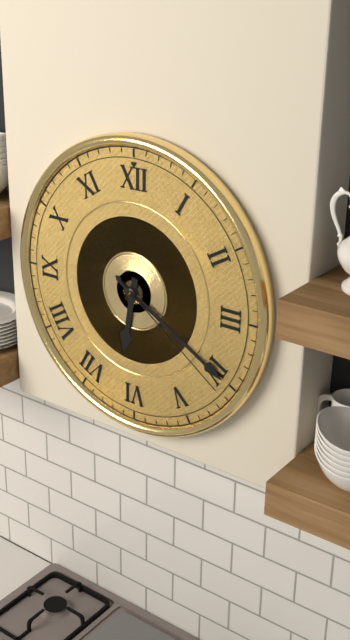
6.20.21
